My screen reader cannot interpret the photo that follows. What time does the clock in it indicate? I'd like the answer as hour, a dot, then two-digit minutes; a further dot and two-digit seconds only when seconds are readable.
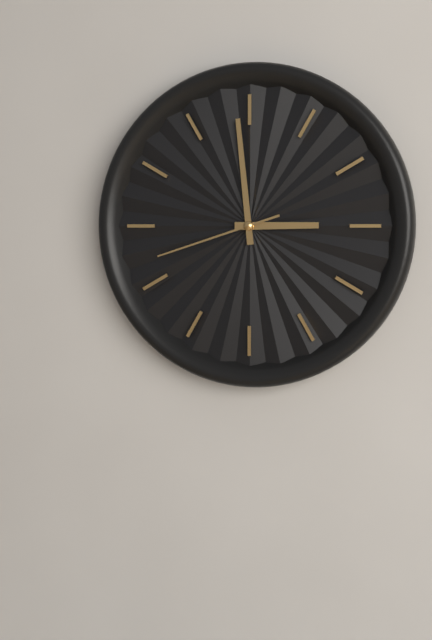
2.59.42
